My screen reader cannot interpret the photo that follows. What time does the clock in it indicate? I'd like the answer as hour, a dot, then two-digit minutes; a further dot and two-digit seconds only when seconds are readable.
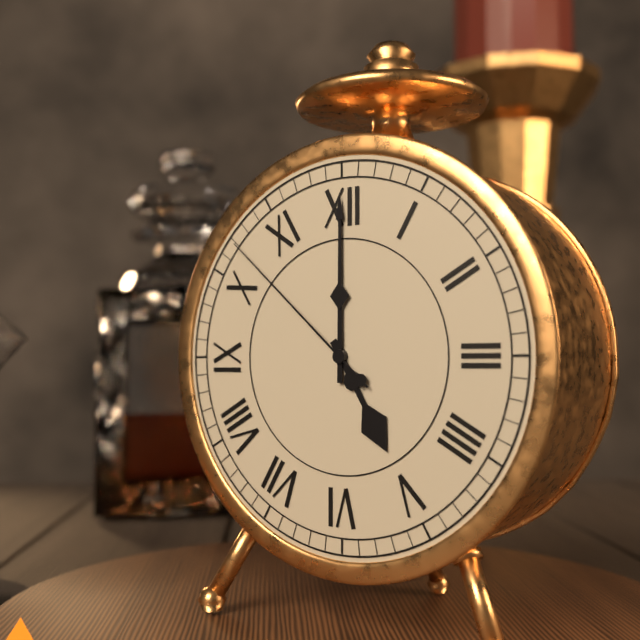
5.00.52
